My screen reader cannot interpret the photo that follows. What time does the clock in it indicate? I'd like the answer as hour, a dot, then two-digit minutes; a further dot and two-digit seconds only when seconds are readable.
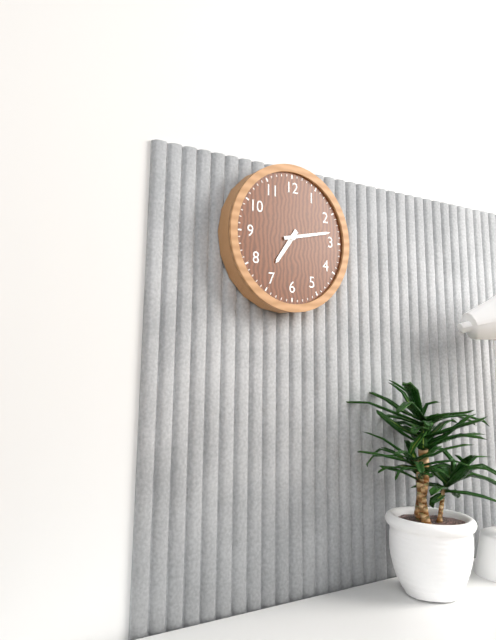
7.13
